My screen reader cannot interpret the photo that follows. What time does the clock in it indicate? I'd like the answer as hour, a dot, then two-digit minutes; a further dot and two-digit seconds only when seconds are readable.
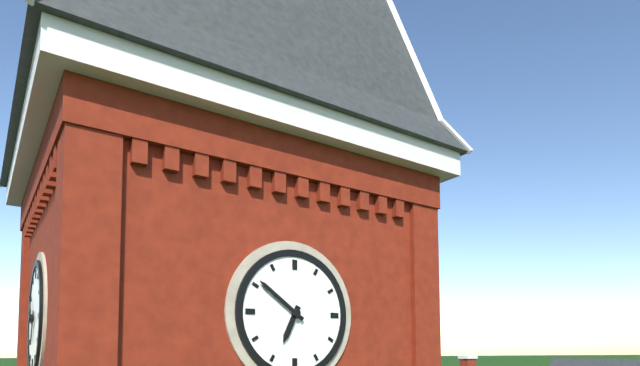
6.51
